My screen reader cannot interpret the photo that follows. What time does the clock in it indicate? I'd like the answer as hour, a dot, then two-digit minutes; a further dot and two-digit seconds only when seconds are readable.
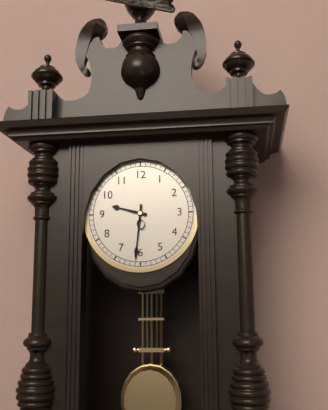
9.31
